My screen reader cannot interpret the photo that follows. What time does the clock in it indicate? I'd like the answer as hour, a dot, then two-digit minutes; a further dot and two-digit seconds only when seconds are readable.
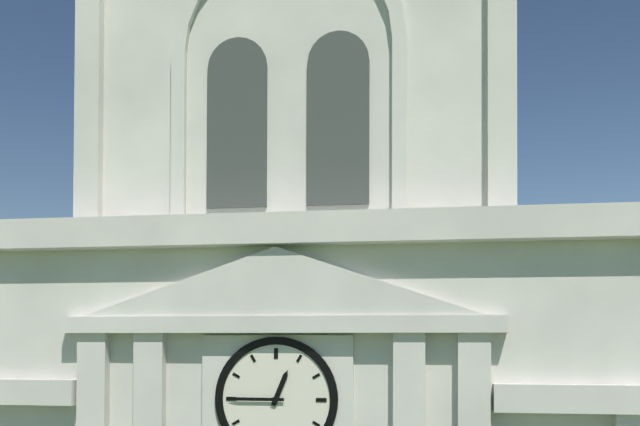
12.45
